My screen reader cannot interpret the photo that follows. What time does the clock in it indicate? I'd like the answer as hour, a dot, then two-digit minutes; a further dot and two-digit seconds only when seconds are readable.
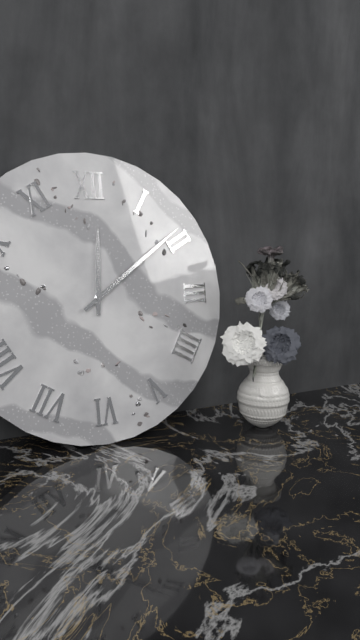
12.09
